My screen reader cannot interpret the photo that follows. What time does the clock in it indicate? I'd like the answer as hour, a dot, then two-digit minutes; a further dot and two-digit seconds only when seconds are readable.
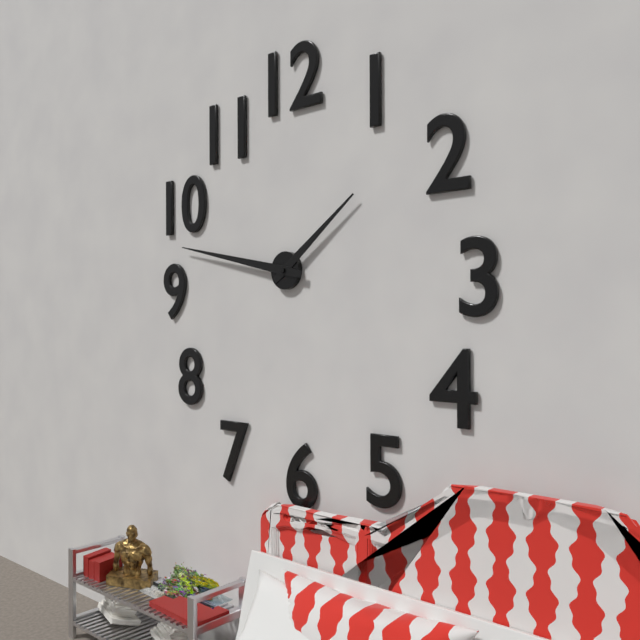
1.47
